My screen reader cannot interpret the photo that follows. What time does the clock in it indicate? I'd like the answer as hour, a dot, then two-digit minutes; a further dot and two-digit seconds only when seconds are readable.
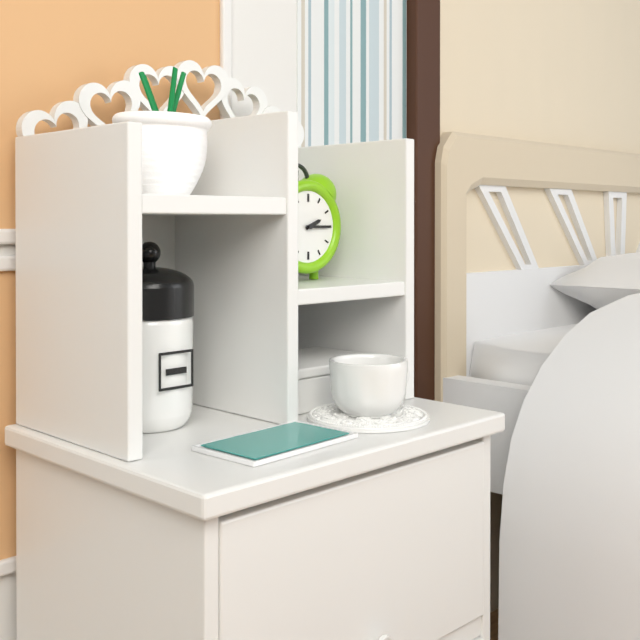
2.15
